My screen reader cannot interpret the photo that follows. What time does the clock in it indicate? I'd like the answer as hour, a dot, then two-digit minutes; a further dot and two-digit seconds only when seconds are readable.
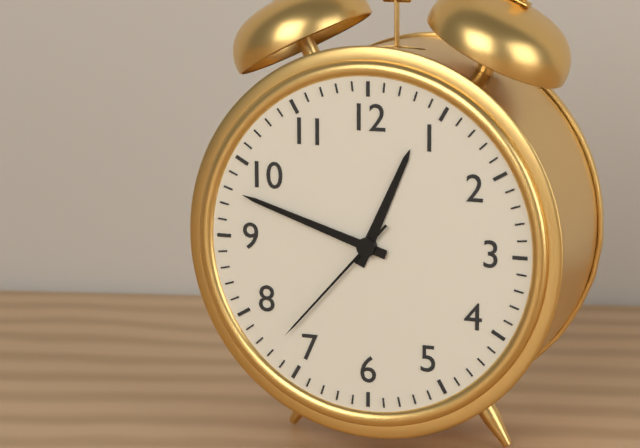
12.48.37
